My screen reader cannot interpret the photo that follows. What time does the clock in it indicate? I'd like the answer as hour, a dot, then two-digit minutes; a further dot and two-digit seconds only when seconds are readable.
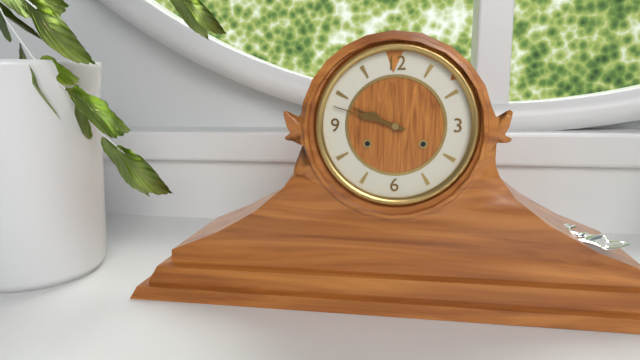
9.48
